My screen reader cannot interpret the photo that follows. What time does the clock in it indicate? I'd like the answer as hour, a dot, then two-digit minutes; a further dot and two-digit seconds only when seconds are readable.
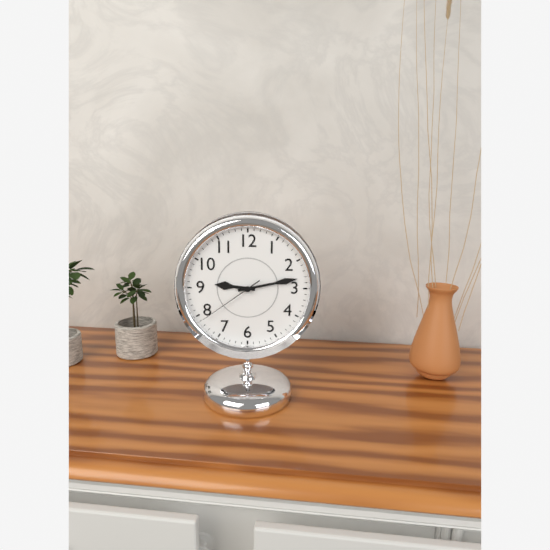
9.13.39
